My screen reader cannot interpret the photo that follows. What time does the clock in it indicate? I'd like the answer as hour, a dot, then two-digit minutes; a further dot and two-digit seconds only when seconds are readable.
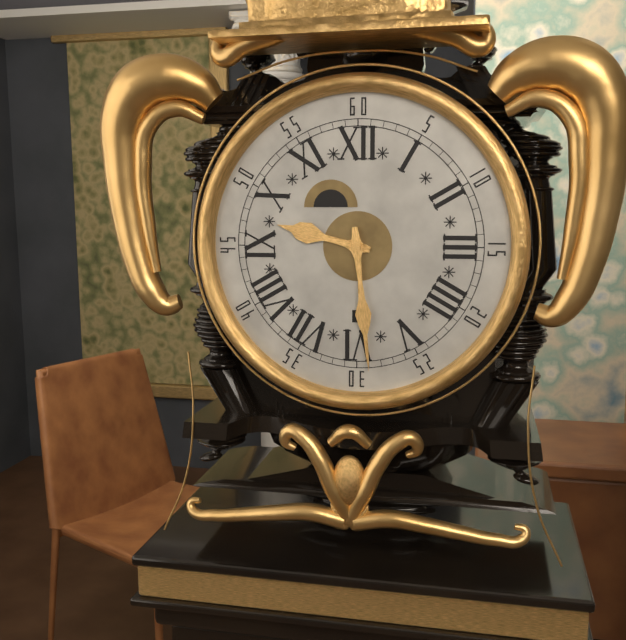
9.29
